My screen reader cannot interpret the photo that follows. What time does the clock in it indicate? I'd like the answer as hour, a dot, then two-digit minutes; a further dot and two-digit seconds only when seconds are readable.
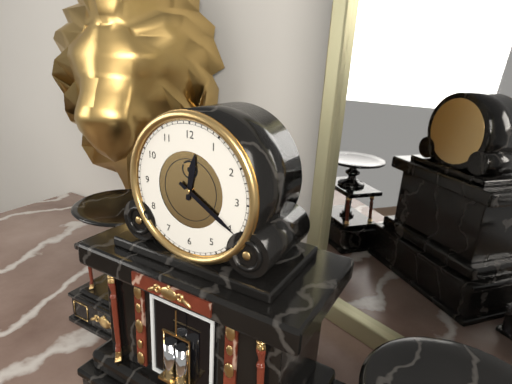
12.20
